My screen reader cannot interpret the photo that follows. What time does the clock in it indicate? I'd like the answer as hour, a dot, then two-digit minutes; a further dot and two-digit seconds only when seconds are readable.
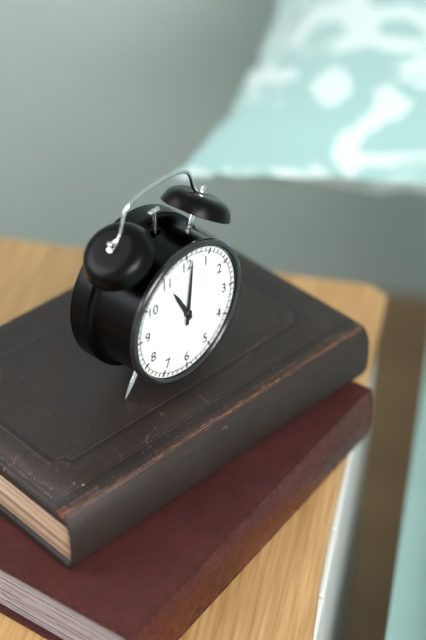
11.01
